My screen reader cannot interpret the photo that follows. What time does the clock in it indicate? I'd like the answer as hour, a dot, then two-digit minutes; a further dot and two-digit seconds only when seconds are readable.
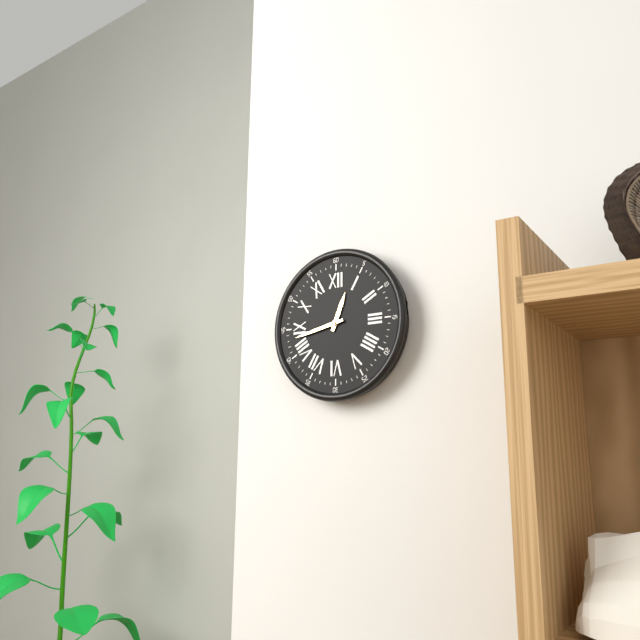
12.43
